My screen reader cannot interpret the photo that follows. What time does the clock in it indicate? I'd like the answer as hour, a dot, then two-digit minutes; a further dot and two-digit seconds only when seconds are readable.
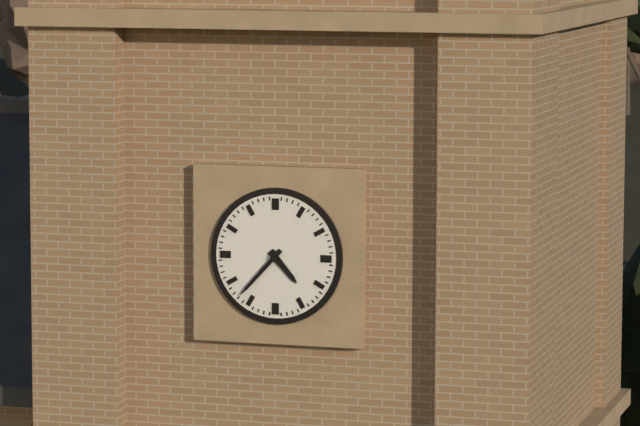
4.37
